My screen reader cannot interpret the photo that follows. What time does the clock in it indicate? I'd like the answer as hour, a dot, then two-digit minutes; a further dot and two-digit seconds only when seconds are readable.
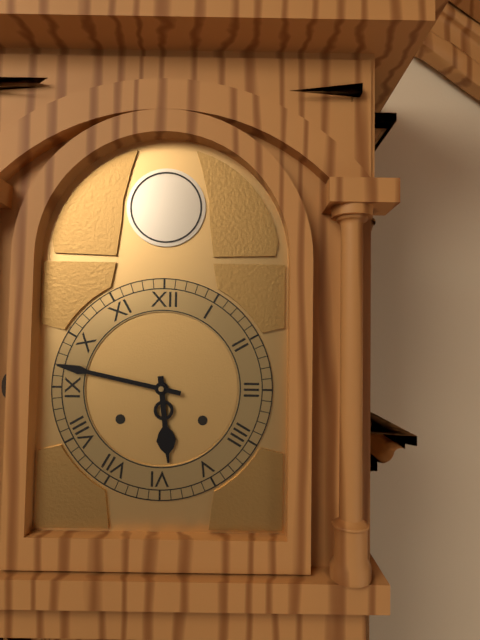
5.47
